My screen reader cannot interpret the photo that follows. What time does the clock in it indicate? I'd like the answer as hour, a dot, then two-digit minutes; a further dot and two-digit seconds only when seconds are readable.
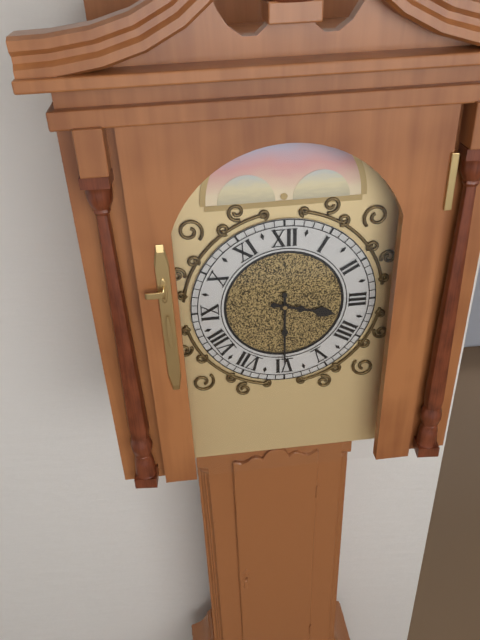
3.30
